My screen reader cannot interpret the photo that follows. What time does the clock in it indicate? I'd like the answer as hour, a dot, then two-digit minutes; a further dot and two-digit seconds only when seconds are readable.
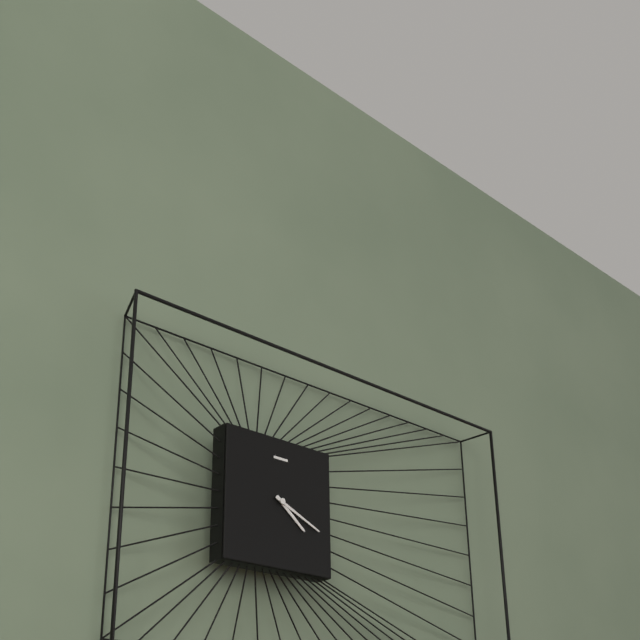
4.19
